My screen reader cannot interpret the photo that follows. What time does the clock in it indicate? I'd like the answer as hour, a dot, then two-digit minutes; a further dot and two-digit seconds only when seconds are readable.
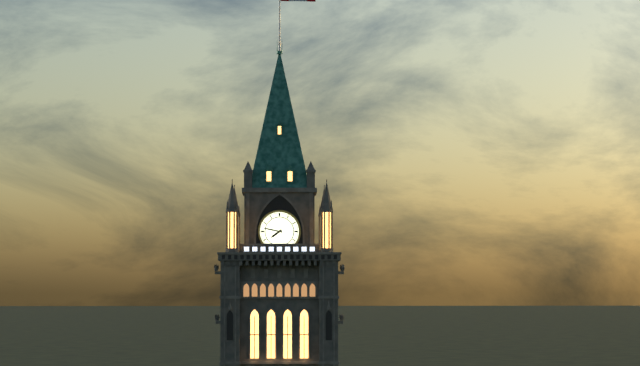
7.47
